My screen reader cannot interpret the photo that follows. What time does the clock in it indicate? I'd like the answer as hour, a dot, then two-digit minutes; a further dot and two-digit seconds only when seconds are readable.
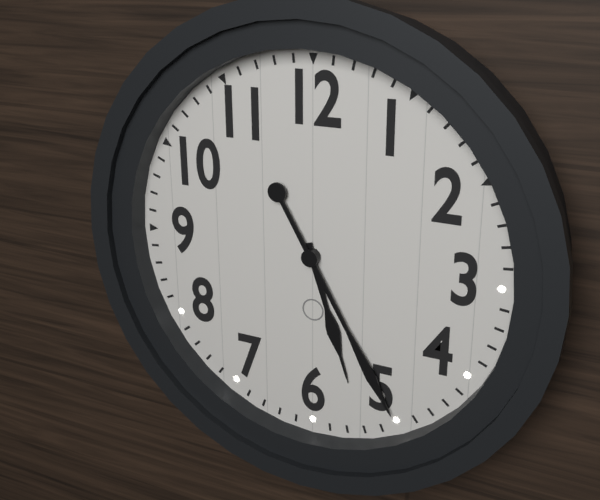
5.25
